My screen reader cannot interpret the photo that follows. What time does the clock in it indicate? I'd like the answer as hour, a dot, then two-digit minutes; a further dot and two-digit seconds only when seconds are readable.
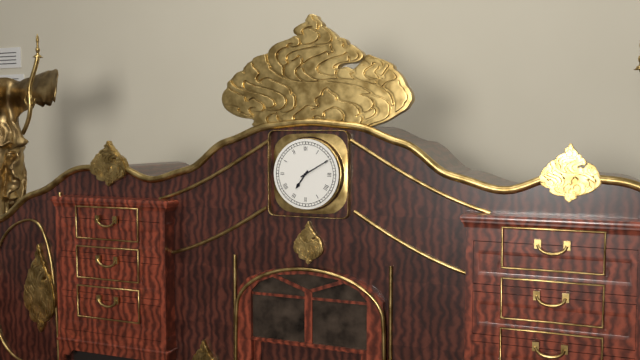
7.10
